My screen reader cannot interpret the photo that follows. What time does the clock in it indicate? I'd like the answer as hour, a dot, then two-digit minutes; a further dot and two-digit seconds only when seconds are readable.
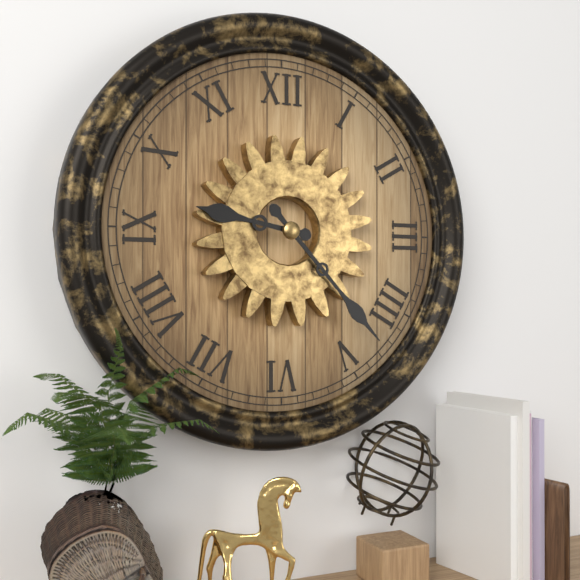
9.23
